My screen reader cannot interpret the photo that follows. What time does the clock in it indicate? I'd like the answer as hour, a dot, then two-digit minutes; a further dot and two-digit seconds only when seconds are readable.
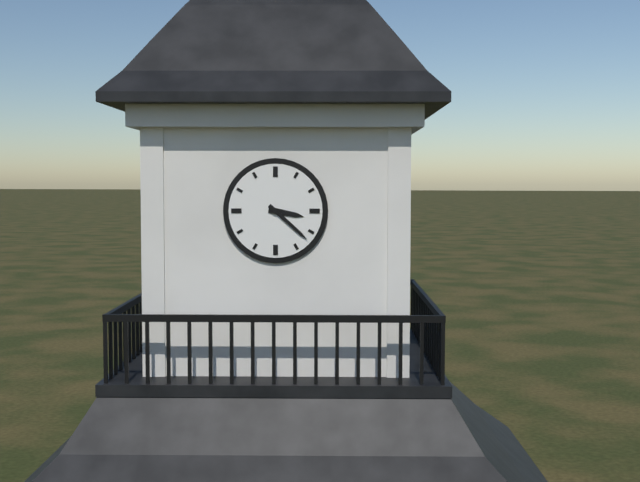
3.22
